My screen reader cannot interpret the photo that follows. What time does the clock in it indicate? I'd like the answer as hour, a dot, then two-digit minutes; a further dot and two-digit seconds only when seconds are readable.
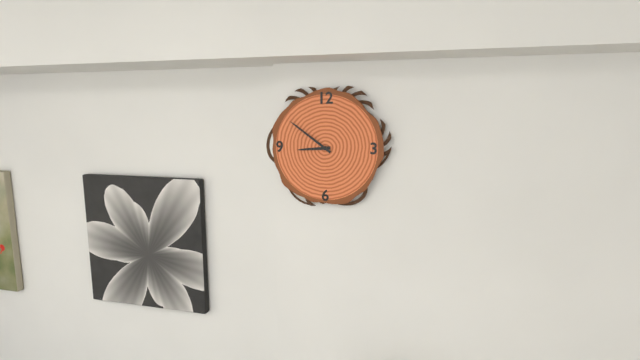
8.51
